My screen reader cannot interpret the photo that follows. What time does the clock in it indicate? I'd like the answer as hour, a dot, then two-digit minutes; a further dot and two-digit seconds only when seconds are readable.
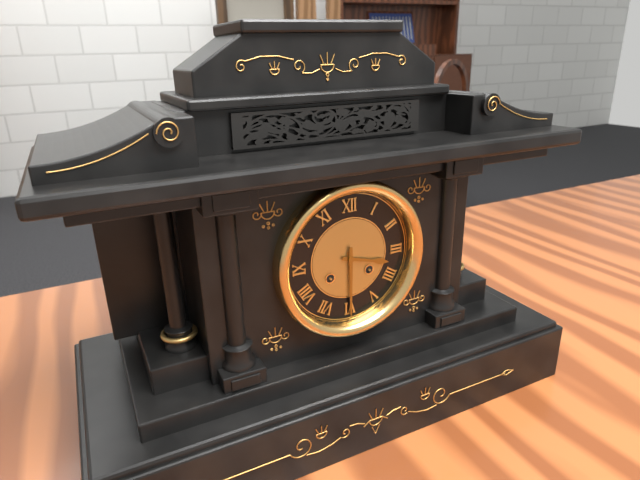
3.30
